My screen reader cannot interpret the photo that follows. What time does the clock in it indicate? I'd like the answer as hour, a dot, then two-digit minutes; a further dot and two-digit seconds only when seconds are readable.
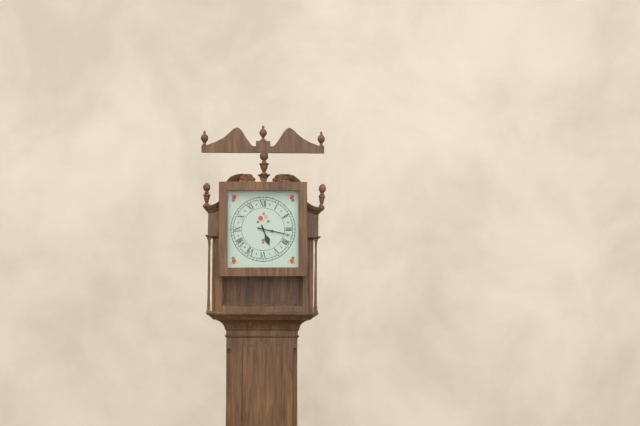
5.17
